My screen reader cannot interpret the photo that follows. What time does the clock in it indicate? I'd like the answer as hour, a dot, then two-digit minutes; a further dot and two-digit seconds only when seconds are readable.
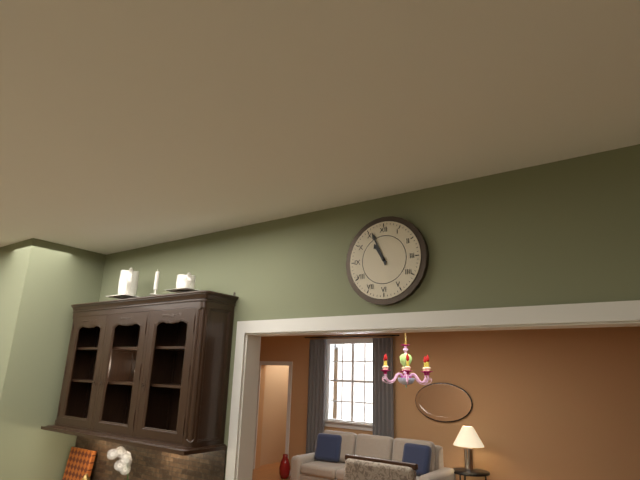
10.56
